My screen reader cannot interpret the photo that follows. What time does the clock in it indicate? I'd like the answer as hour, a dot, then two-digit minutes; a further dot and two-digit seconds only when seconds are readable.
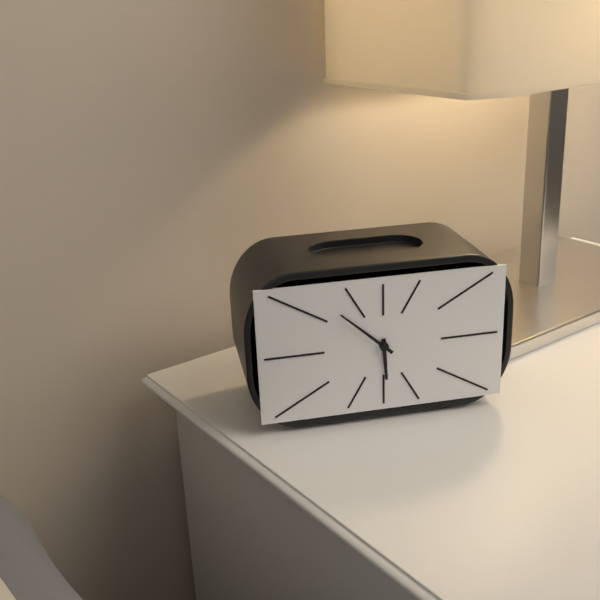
5.52
